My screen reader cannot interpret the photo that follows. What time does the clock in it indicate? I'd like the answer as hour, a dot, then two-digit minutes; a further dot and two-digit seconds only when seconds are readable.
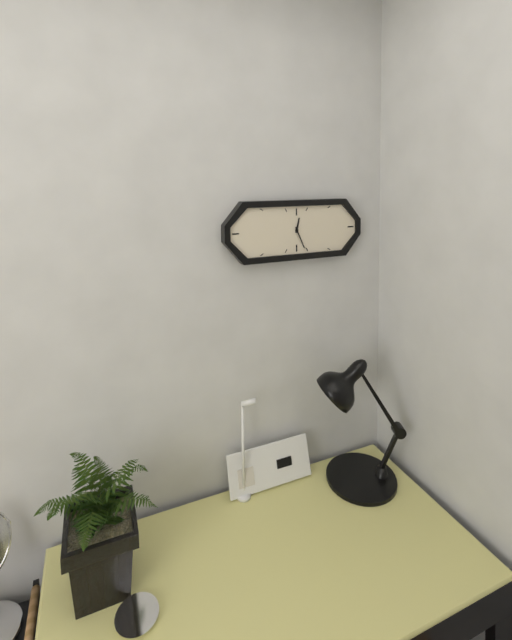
12.26
